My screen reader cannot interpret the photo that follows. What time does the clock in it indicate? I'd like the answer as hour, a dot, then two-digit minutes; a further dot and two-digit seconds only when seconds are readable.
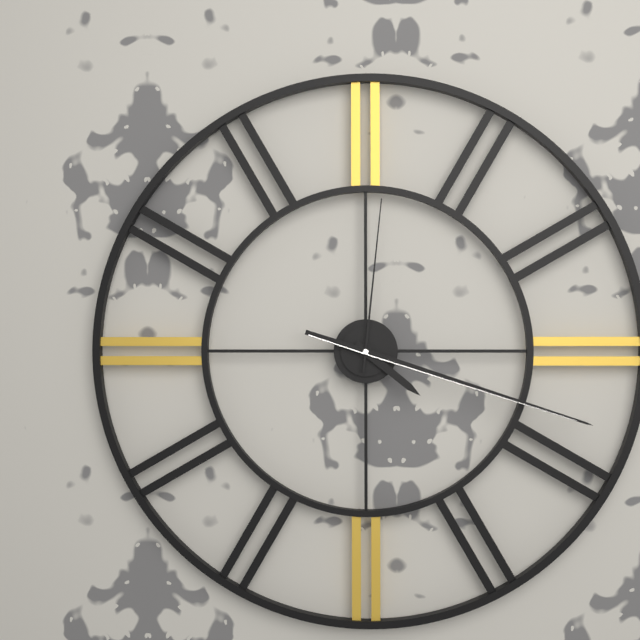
4.18.01
